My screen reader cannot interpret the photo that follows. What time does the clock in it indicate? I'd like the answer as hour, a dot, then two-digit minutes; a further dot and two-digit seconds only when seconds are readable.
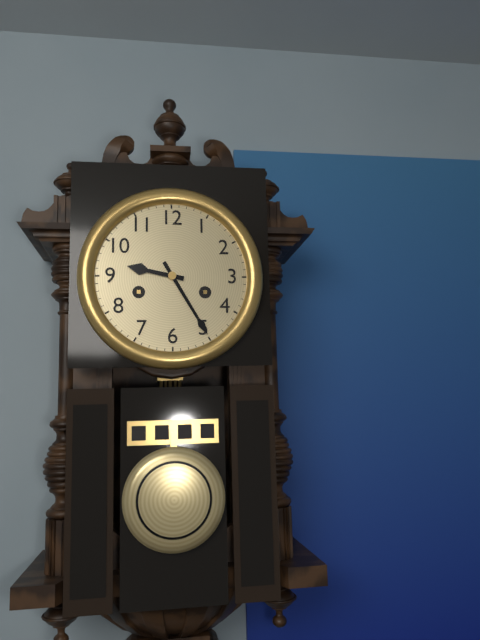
9.25
